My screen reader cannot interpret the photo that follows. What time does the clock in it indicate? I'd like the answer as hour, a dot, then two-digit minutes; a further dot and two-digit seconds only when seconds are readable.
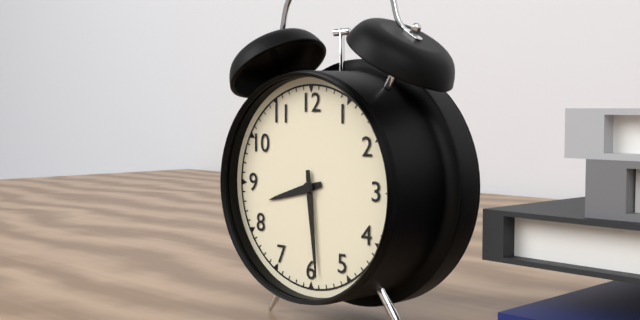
8.29
